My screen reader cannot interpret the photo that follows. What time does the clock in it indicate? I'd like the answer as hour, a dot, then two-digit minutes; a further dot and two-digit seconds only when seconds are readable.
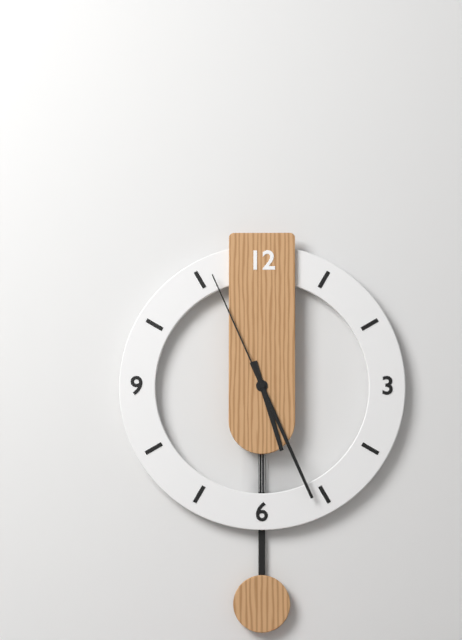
5.26.56
